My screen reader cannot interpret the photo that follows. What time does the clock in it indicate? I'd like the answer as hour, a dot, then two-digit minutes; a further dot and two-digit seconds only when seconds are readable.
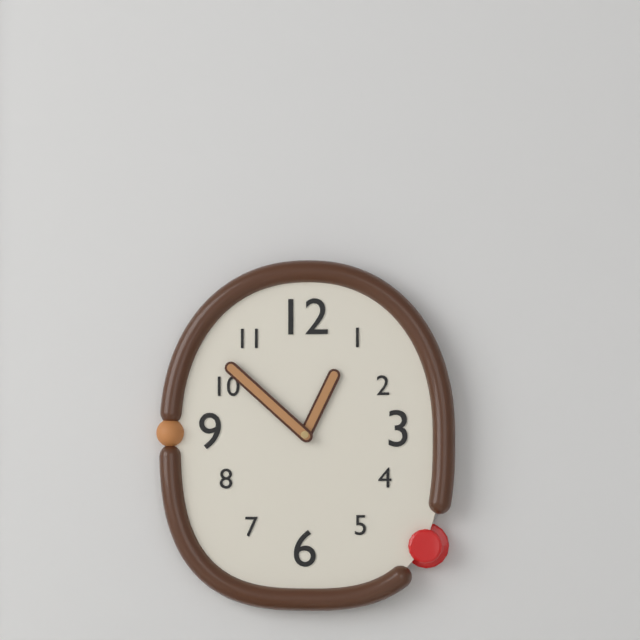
12.52
